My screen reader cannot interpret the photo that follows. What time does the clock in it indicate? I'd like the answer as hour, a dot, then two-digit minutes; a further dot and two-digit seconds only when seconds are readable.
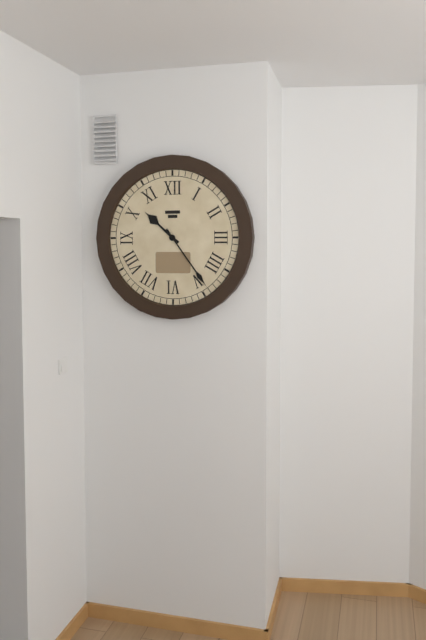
10.24
